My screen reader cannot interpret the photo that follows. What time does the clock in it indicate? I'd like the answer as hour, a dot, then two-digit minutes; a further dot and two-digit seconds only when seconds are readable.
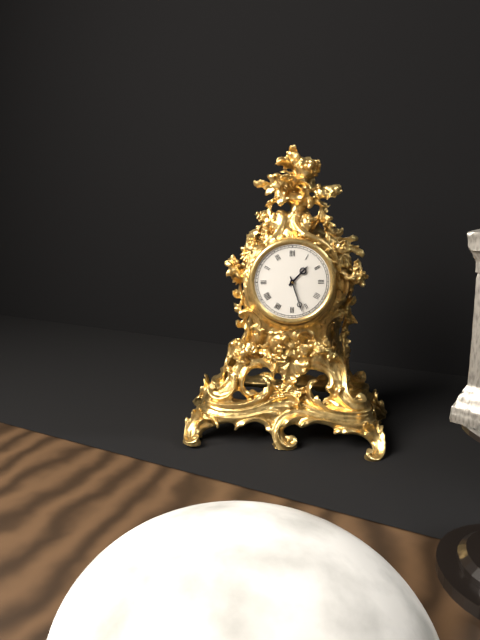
1.27
